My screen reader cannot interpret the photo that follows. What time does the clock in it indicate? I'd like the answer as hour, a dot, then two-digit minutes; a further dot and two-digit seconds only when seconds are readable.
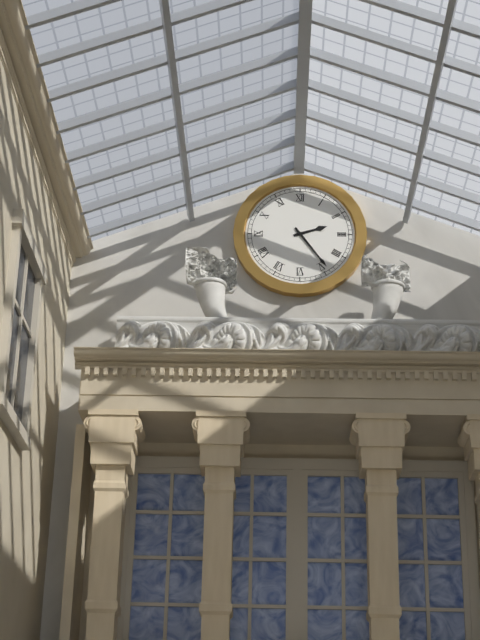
2.24
